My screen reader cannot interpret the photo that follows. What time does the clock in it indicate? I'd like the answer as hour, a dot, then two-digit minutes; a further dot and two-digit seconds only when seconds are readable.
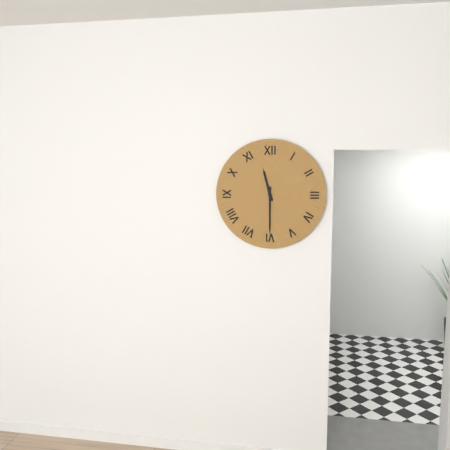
11.30
